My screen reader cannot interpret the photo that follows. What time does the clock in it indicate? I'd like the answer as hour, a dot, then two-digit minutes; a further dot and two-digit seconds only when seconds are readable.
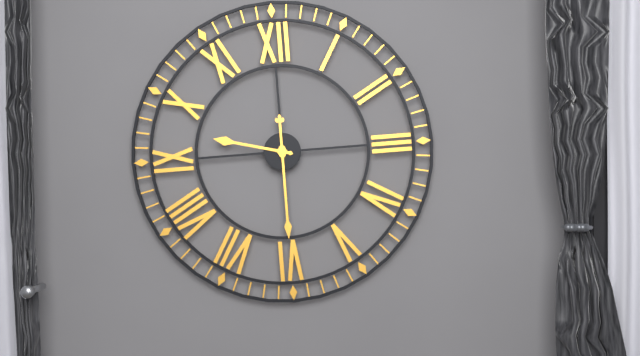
9.30
